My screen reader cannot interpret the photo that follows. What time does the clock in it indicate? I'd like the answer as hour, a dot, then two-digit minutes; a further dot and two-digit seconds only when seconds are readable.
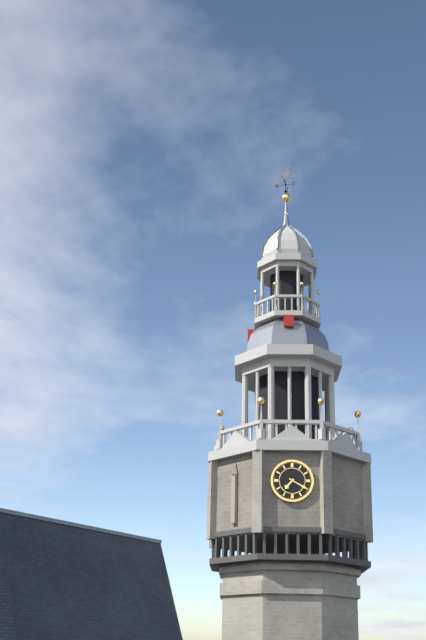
7.20
